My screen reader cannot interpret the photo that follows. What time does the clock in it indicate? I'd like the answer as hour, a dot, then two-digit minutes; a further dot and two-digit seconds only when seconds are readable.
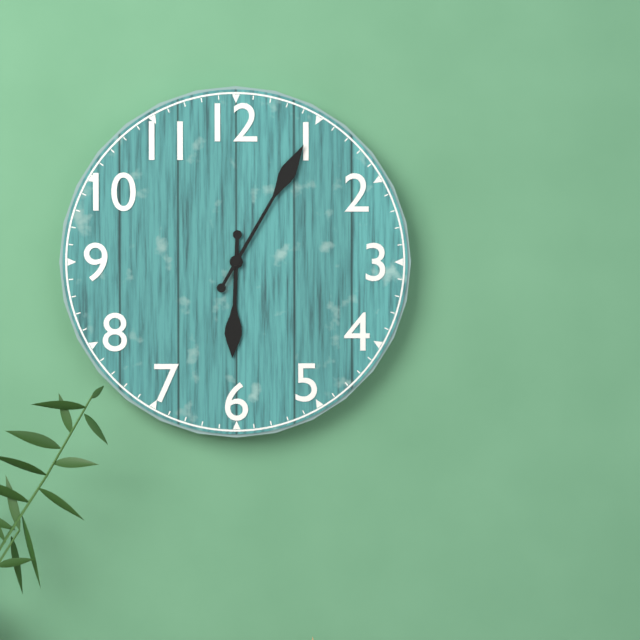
6.05
